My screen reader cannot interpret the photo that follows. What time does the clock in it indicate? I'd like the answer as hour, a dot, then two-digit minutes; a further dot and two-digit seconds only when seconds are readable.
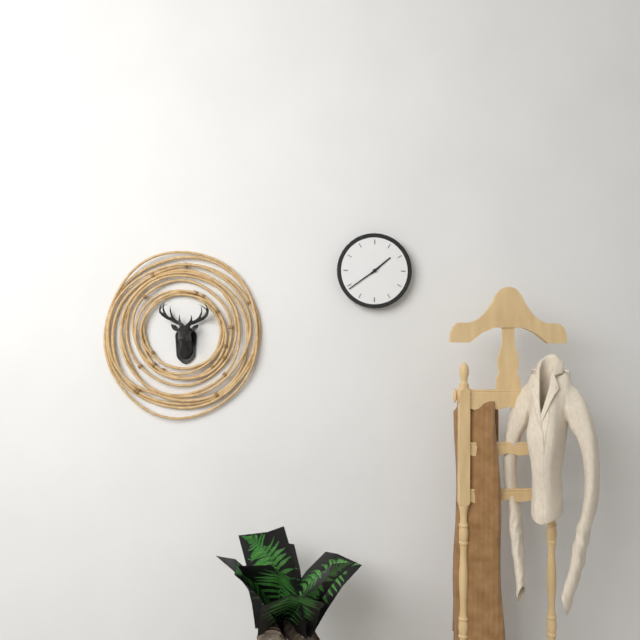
1.39
